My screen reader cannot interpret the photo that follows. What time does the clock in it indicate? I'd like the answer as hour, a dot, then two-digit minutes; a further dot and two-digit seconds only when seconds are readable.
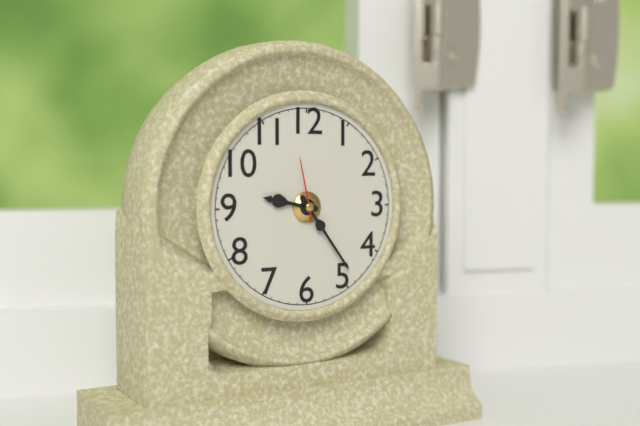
9.24.58
